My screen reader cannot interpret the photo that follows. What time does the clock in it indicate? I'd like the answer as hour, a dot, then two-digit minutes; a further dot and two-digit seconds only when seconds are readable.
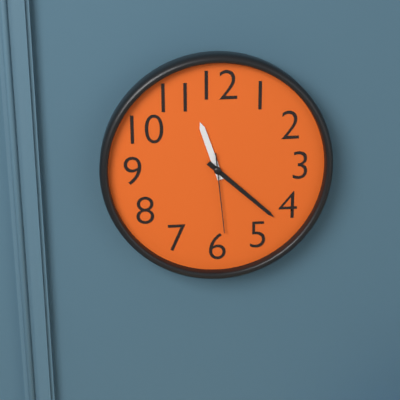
11.22.29
